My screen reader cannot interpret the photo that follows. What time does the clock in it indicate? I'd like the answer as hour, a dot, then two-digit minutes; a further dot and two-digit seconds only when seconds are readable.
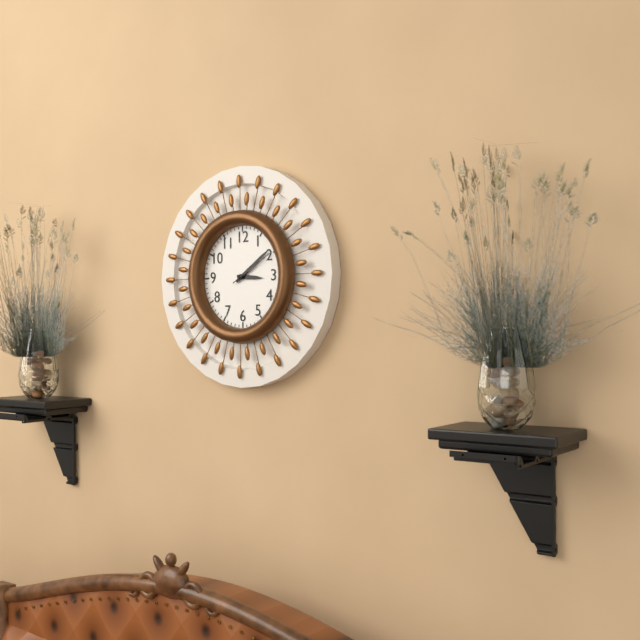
3.09.10
